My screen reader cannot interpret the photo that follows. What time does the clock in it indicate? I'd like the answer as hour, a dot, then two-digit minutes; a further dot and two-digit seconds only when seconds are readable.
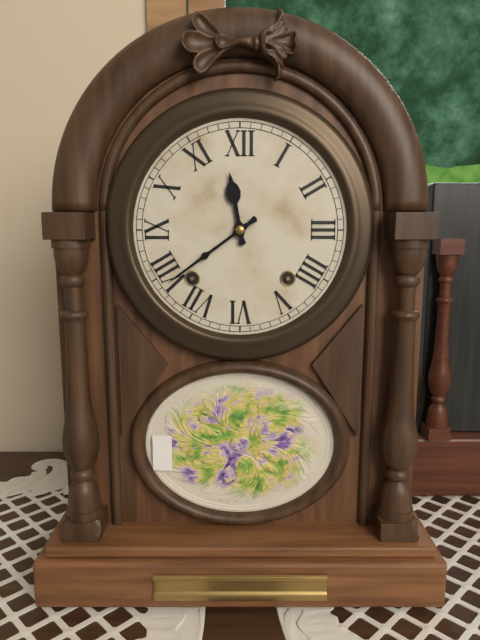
11.39
